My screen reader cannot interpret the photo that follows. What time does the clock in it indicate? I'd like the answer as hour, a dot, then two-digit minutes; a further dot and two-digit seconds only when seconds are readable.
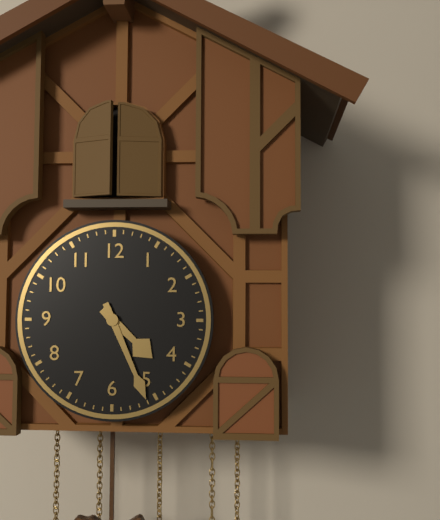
4.26
